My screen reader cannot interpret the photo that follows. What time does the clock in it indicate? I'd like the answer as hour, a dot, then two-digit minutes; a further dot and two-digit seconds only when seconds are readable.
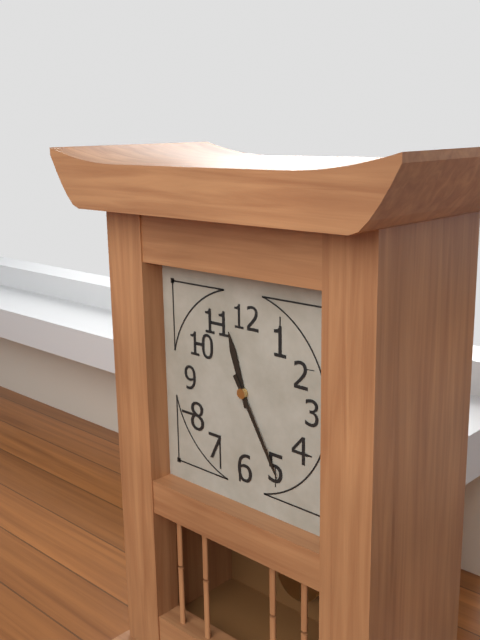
11.25
